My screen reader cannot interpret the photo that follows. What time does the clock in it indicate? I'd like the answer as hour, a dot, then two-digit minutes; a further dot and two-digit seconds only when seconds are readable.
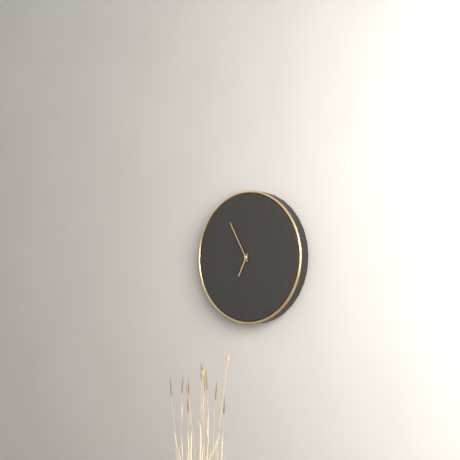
6.55
